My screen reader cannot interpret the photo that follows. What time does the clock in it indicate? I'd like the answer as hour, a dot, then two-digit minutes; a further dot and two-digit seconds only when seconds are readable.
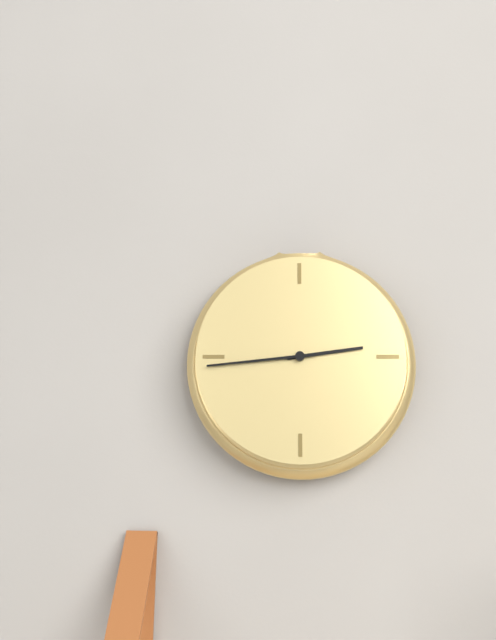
2.44
